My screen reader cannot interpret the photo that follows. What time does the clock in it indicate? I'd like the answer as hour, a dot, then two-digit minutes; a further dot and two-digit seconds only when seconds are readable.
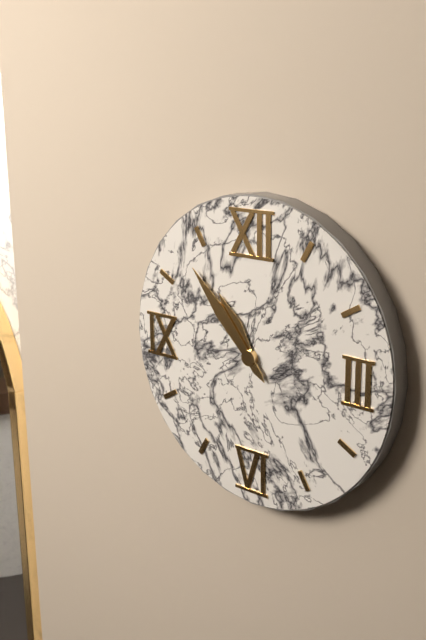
10.53
